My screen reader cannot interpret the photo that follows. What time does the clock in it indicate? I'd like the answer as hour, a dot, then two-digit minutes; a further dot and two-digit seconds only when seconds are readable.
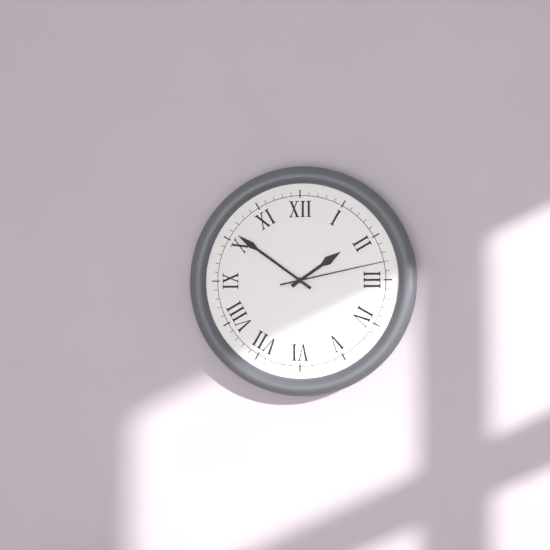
1.51.13
